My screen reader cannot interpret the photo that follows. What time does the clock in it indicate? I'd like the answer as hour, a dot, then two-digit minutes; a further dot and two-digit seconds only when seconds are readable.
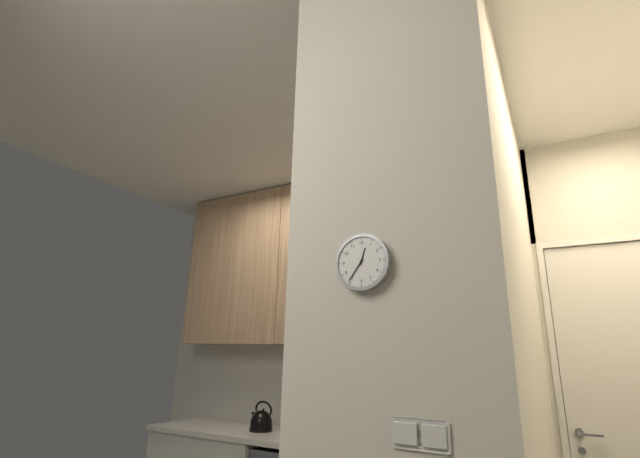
12.36
